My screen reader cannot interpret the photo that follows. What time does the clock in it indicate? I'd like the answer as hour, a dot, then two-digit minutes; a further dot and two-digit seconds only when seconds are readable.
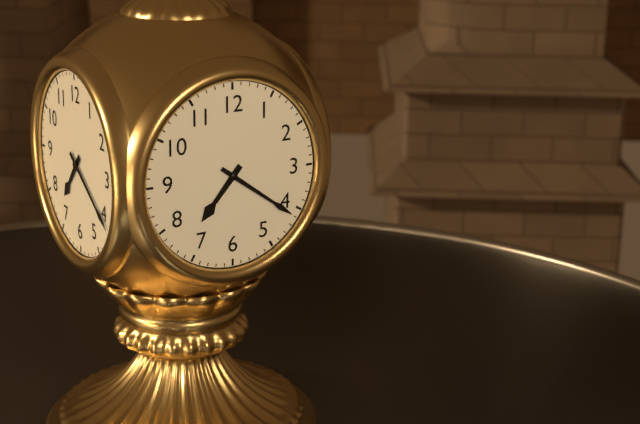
7.21
